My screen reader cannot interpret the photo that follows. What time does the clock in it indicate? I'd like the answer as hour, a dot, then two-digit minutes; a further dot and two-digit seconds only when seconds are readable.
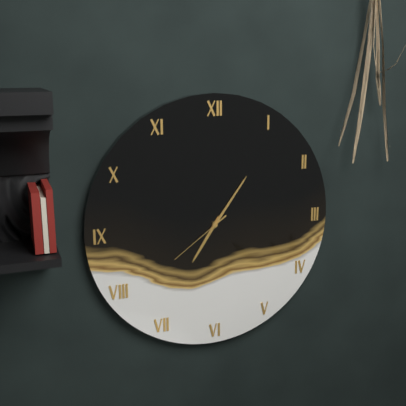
7.06.39
